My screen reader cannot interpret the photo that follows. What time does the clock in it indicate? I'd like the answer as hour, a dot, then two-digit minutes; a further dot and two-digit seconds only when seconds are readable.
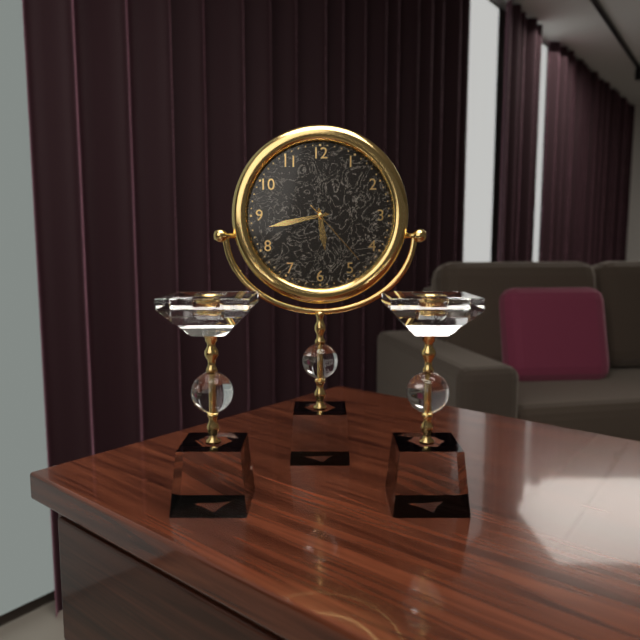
5.43.23
